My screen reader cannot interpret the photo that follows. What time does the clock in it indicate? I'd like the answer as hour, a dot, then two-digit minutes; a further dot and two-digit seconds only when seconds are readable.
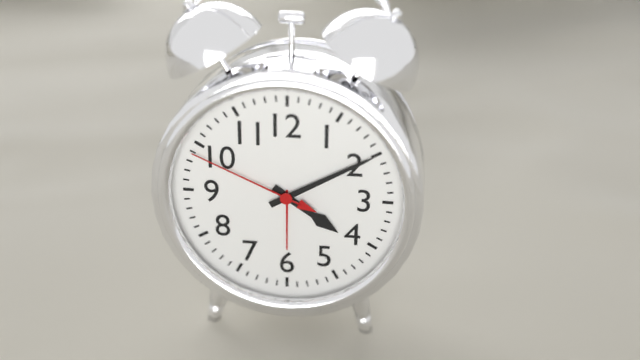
4.10.49
